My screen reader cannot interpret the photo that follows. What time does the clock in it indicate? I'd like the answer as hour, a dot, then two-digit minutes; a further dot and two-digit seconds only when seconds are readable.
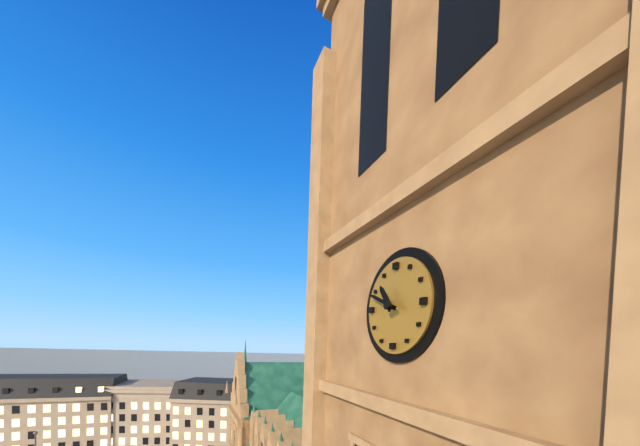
10.49
